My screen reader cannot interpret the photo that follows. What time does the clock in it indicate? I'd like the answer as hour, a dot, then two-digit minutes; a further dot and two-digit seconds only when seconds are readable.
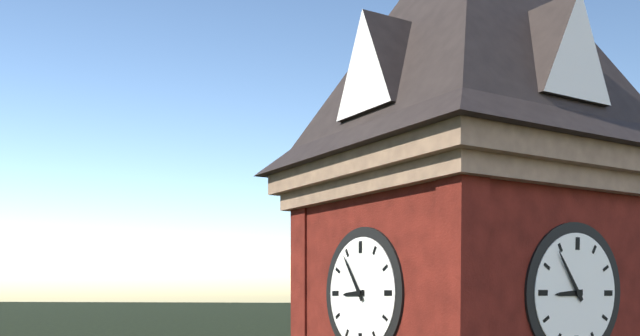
8.54
